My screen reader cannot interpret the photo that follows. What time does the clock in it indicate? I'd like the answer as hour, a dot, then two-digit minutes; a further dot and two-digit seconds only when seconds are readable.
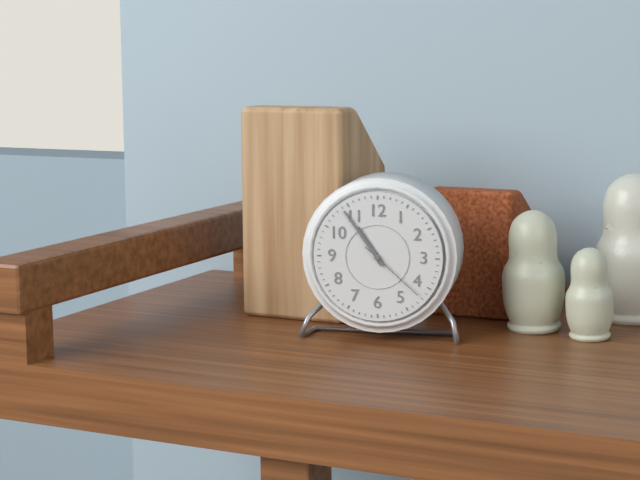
10.54.22
